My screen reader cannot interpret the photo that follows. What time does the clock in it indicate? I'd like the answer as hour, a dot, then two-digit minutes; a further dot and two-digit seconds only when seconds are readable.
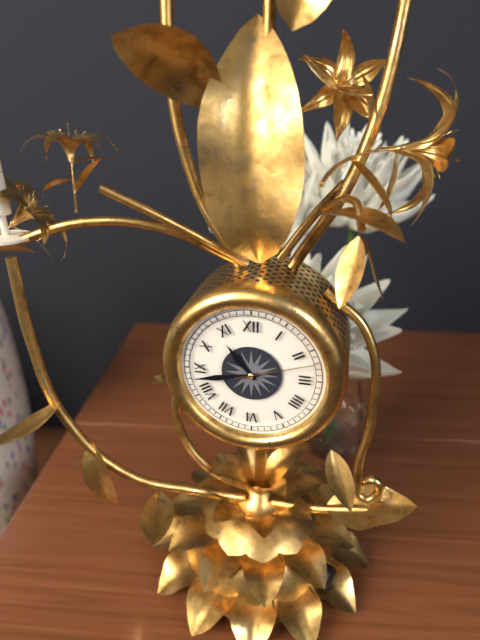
10.43.12
